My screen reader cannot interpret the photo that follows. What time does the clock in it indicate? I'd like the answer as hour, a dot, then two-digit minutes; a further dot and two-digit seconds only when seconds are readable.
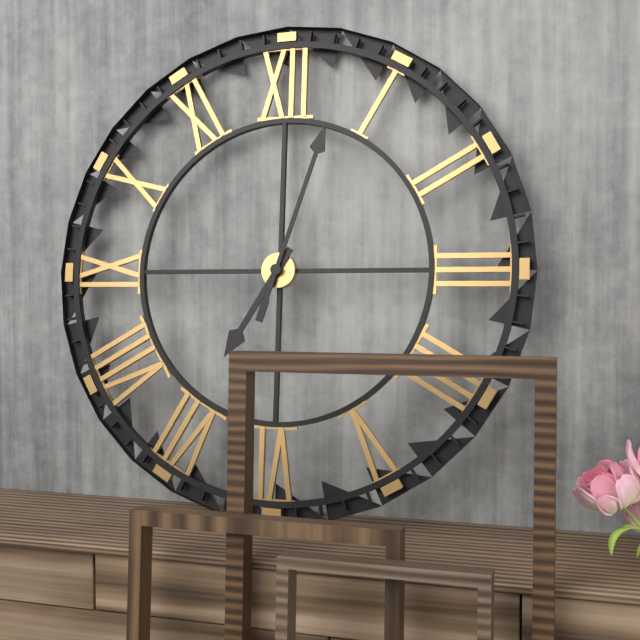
7.03
